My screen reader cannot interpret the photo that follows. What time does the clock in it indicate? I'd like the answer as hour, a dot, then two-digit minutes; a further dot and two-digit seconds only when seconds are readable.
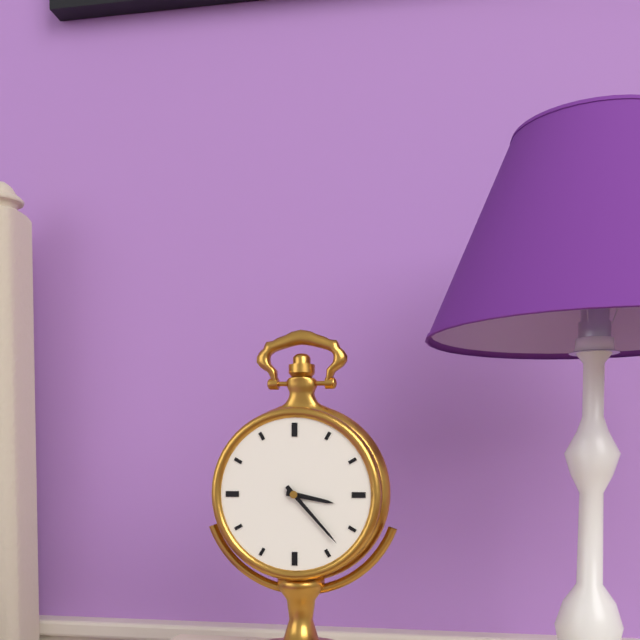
3.23
